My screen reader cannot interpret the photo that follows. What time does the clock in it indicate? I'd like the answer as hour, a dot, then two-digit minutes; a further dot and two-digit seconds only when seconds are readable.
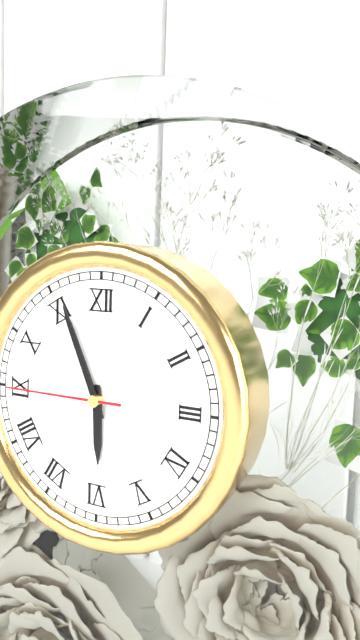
5.56.45
